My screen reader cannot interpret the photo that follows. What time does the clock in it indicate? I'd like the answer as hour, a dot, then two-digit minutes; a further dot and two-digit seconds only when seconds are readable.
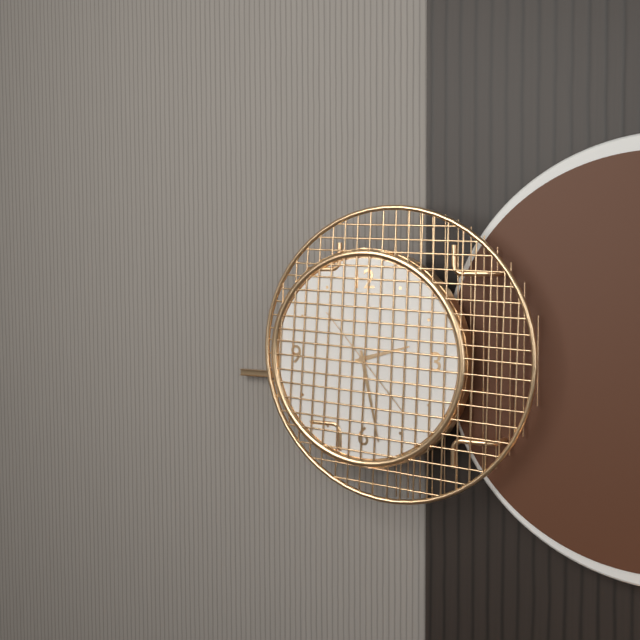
2.28.23
